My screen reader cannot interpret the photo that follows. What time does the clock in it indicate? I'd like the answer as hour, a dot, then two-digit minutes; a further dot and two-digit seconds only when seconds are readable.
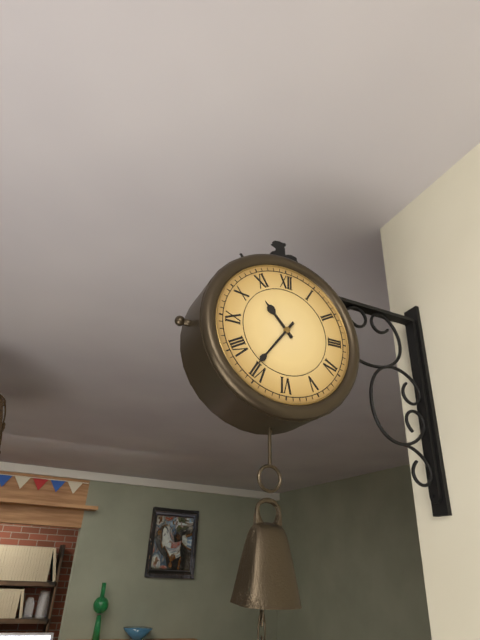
10.36
